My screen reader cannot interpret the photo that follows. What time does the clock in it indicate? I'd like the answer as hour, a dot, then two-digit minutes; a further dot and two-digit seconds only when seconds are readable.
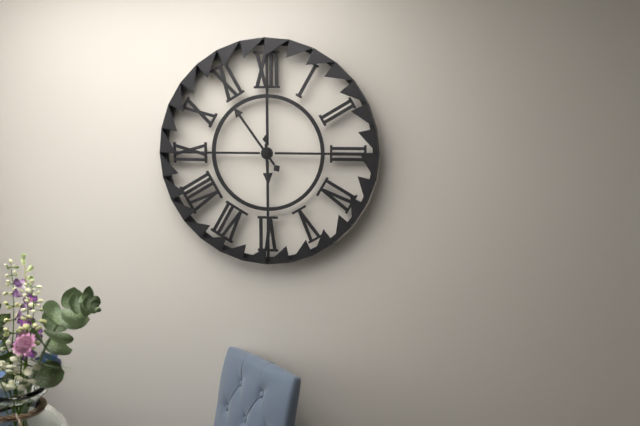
5.54
